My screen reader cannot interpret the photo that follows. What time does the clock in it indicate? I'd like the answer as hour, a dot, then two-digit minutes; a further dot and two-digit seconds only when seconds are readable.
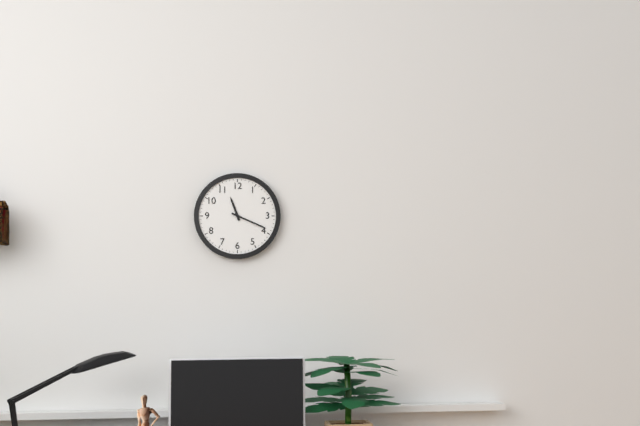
11.19
